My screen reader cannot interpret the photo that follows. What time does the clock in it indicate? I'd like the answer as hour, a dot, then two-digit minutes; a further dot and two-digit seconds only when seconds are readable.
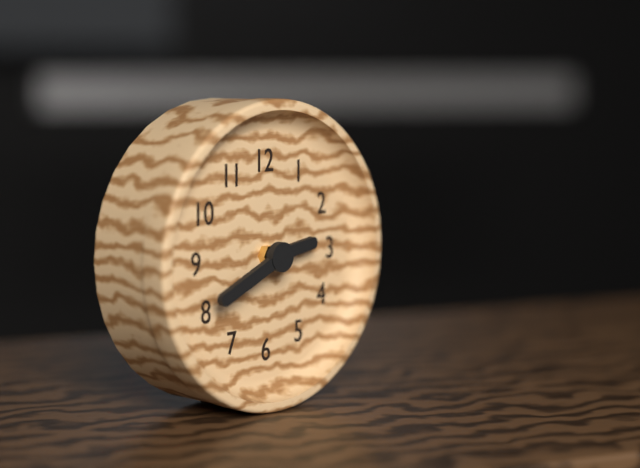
2.41
